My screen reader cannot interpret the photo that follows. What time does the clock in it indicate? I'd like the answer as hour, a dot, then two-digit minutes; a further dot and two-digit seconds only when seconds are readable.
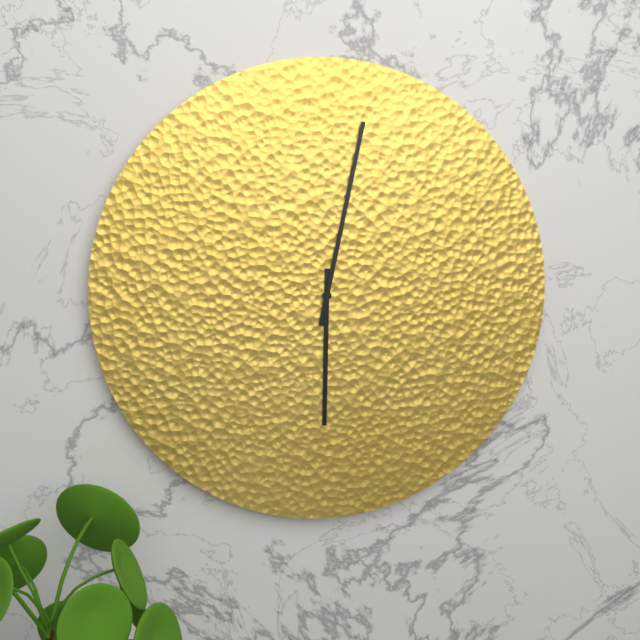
6.02
